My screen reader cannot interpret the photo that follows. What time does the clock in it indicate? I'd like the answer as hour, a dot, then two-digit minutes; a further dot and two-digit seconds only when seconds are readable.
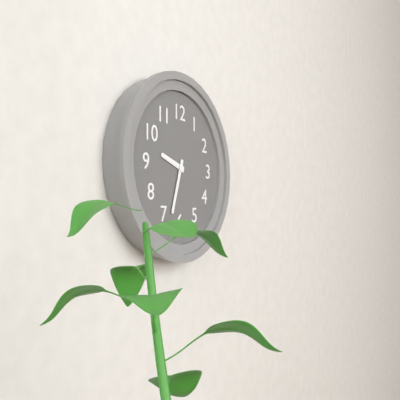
9.33
